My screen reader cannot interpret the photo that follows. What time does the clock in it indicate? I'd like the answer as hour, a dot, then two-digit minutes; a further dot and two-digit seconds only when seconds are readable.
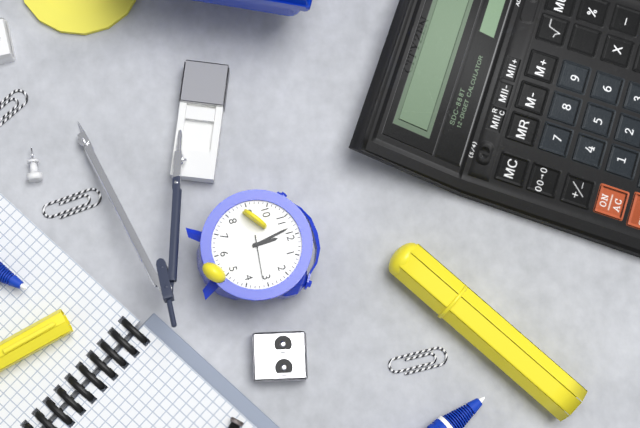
11.58
